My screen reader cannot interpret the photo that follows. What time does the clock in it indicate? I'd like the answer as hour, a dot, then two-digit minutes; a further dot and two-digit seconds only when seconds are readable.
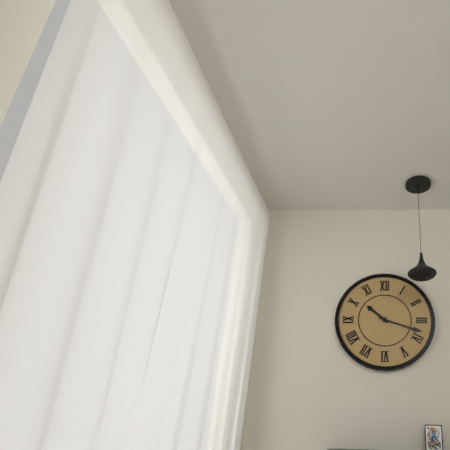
10.18
